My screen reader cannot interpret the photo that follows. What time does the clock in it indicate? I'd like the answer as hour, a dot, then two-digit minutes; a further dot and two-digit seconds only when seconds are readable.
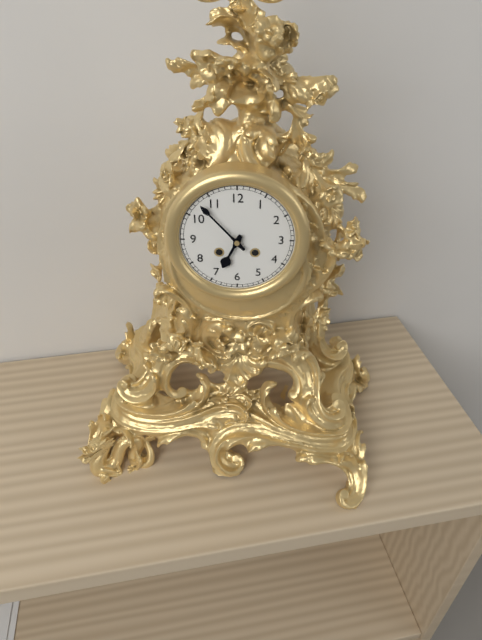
6.53
